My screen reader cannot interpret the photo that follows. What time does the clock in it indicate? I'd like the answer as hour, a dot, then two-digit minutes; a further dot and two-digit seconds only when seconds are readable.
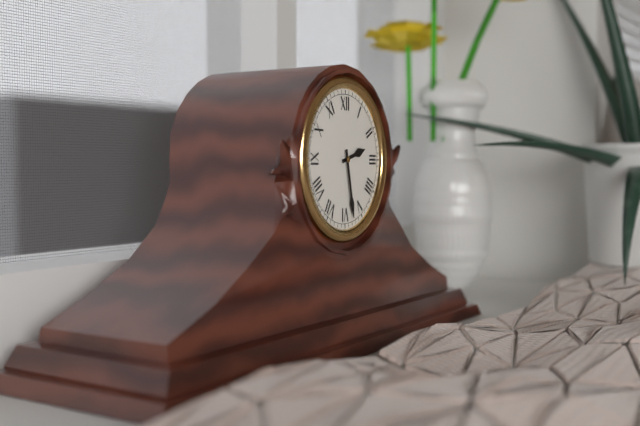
2.28
